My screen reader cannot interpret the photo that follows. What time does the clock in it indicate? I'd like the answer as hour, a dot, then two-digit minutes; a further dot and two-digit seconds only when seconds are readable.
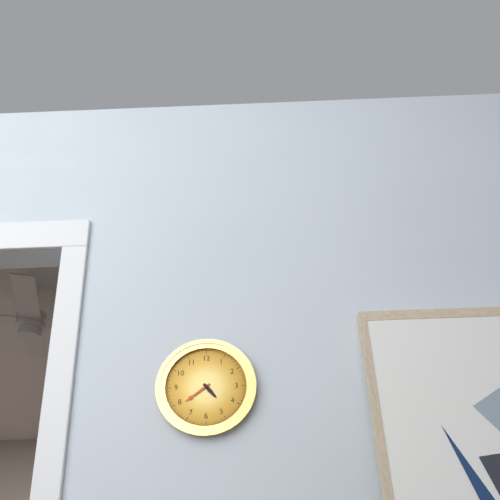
4.39
